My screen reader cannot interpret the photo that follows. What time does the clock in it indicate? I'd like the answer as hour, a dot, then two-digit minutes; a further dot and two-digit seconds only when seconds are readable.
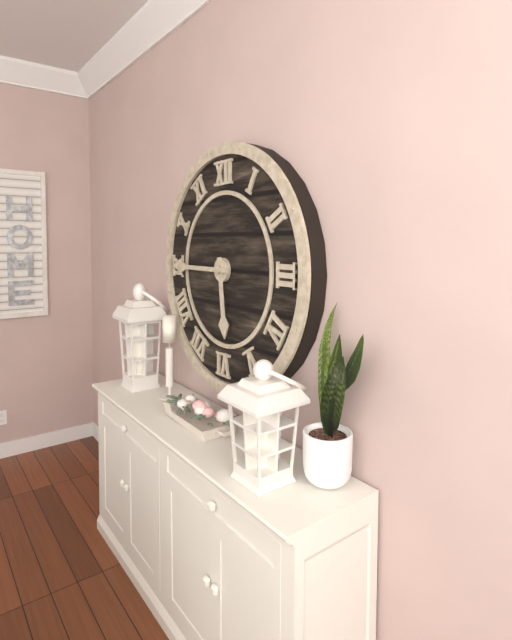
5.45
